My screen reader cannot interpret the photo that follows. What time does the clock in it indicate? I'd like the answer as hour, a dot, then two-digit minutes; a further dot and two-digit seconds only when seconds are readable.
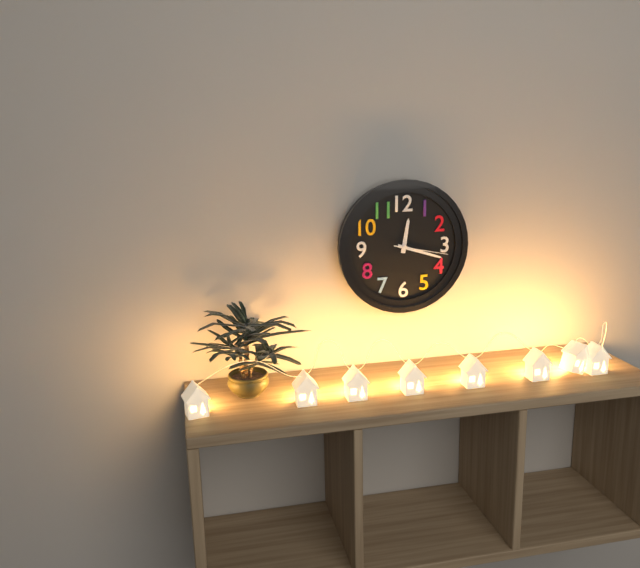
12.18.17
